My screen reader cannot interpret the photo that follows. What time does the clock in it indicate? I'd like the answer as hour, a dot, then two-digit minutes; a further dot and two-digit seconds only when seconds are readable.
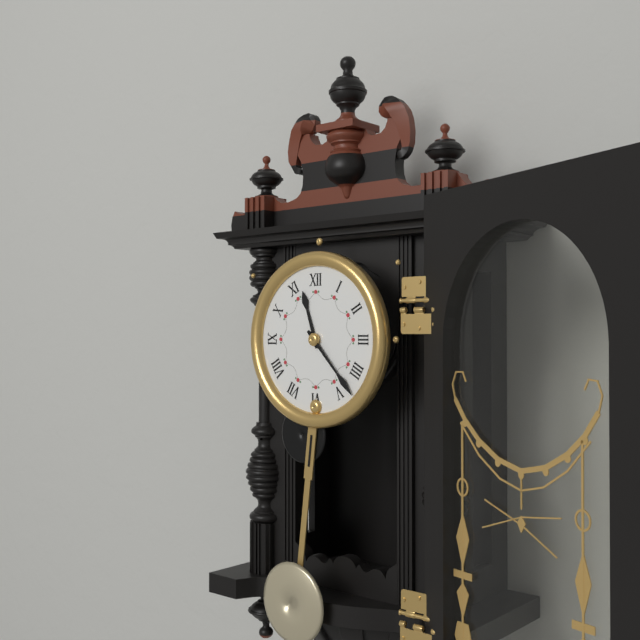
11.23
